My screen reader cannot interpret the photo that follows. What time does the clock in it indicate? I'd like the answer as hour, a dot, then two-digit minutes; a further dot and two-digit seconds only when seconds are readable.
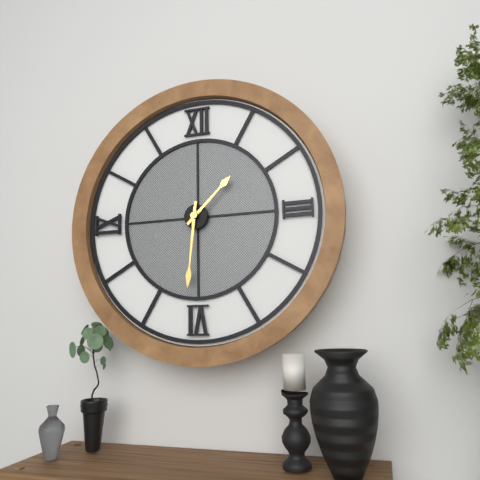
1.31
